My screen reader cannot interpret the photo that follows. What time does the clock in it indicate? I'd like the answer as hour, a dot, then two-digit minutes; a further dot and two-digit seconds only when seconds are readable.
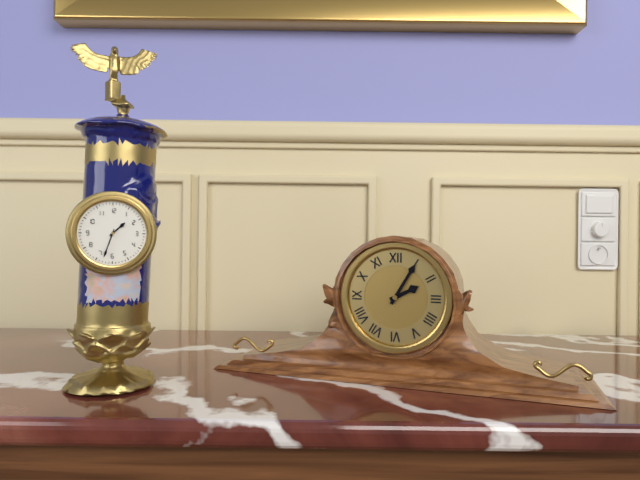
1.33
